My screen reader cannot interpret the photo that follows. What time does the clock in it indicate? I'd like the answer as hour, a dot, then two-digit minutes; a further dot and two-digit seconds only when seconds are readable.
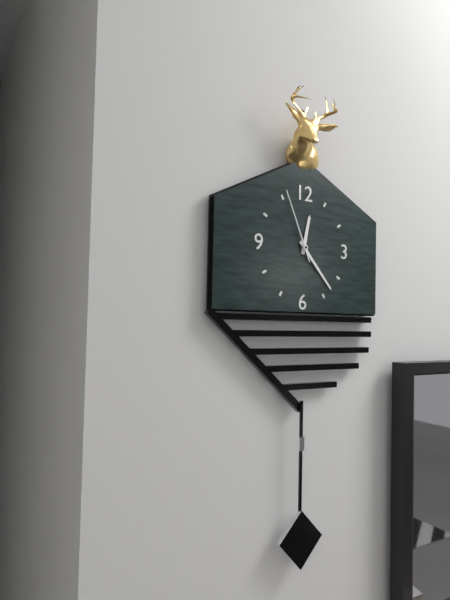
12.23.56
